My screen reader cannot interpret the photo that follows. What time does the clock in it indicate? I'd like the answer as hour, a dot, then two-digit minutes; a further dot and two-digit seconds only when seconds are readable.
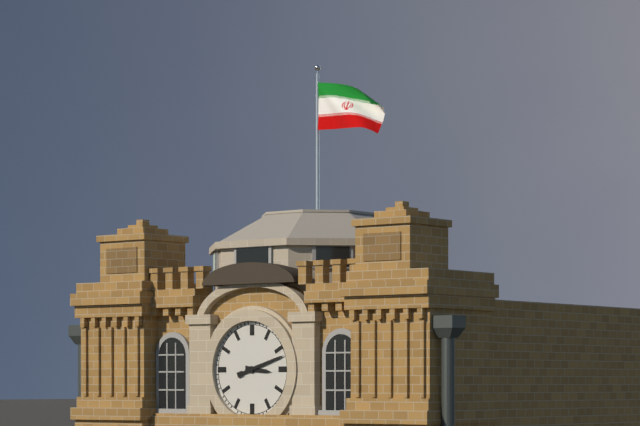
3.12
